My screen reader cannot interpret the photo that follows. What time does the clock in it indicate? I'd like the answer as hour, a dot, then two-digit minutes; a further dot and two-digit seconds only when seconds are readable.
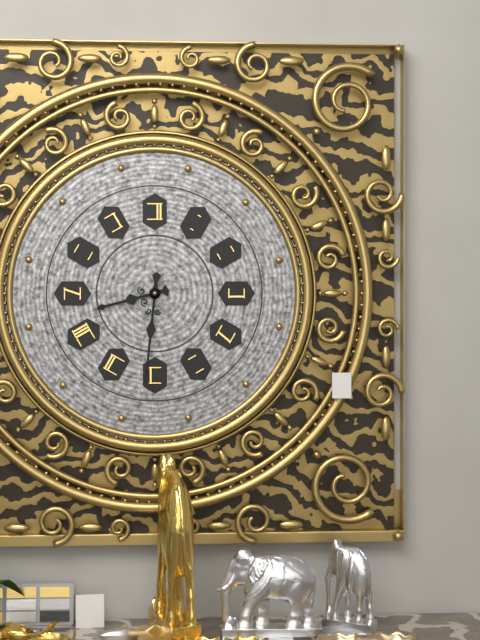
8.31
